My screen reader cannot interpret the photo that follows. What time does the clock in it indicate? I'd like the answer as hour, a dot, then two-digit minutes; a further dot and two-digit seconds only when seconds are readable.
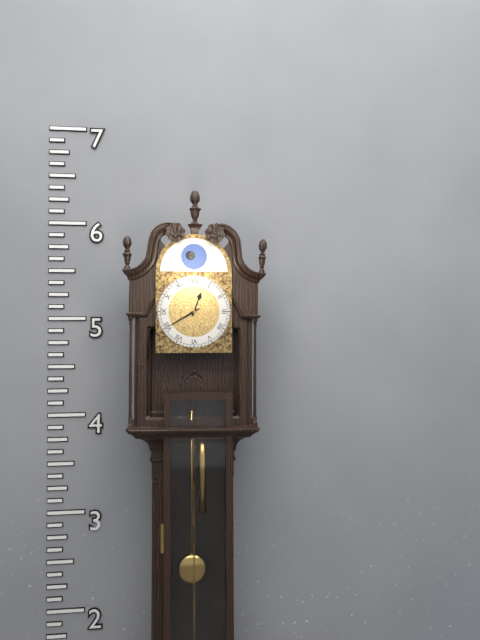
12.40
